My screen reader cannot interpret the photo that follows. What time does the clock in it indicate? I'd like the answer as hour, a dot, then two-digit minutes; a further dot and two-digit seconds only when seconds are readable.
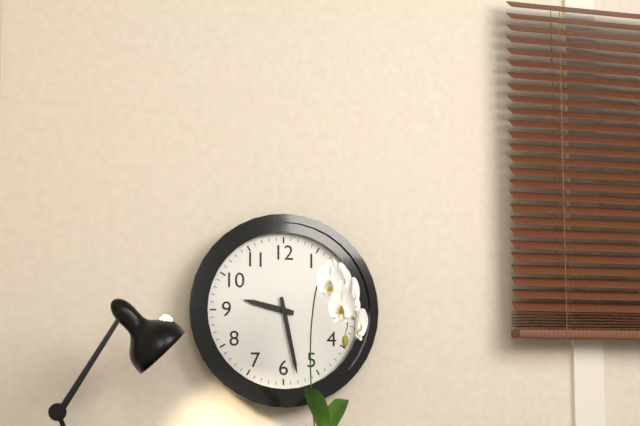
9.28
